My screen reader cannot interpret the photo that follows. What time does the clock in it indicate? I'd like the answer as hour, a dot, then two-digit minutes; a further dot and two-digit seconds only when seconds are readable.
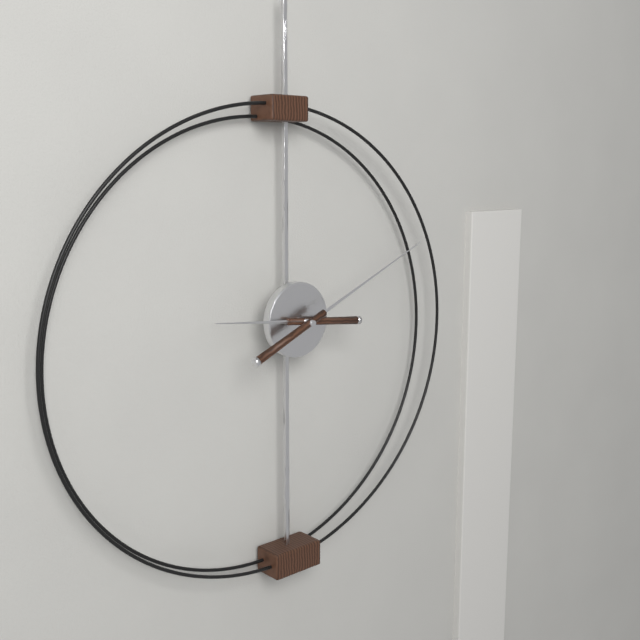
9.11
